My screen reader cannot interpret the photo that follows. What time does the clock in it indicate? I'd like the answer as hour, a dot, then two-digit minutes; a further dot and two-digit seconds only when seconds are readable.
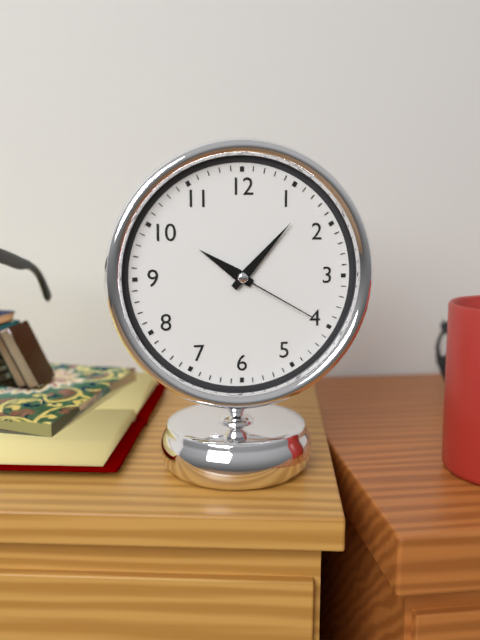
10.07.20
